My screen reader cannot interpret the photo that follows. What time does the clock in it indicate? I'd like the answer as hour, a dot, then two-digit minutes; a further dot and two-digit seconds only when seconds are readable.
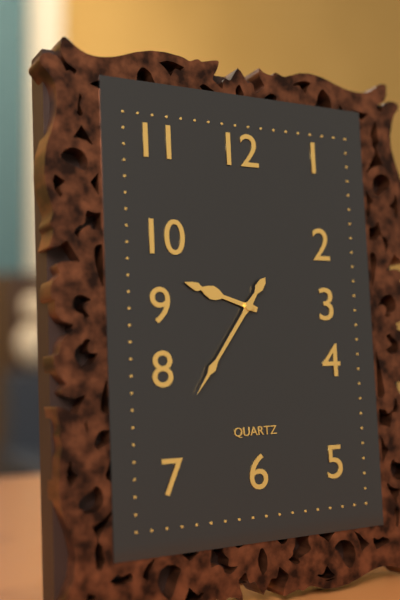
9.36
